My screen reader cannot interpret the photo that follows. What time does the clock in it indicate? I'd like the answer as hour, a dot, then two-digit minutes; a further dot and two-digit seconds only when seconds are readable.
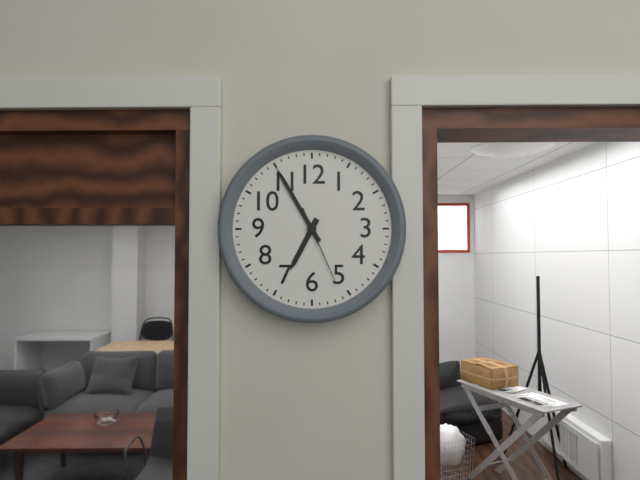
6.55.26
